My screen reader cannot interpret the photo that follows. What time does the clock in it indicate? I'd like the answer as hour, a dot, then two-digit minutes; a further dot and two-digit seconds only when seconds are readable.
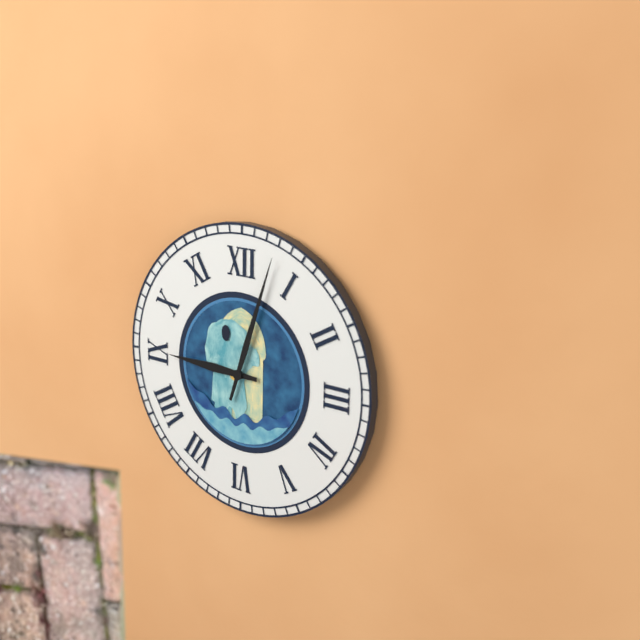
9.03
